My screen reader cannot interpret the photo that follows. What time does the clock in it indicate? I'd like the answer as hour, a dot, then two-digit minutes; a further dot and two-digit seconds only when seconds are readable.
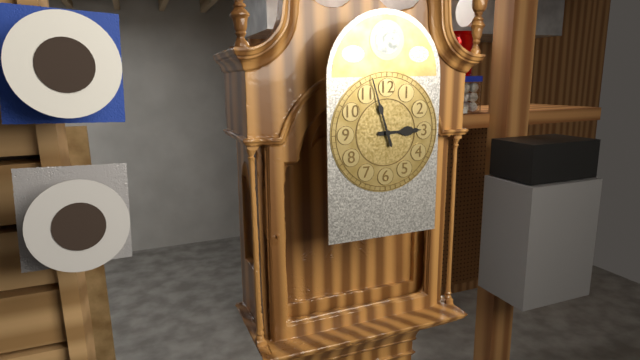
2.57
